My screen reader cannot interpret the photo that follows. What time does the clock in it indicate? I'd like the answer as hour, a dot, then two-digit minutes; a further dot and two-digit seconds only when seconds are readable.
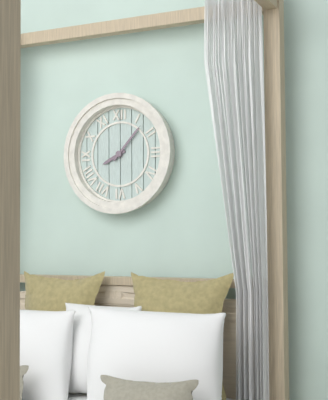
8.07
